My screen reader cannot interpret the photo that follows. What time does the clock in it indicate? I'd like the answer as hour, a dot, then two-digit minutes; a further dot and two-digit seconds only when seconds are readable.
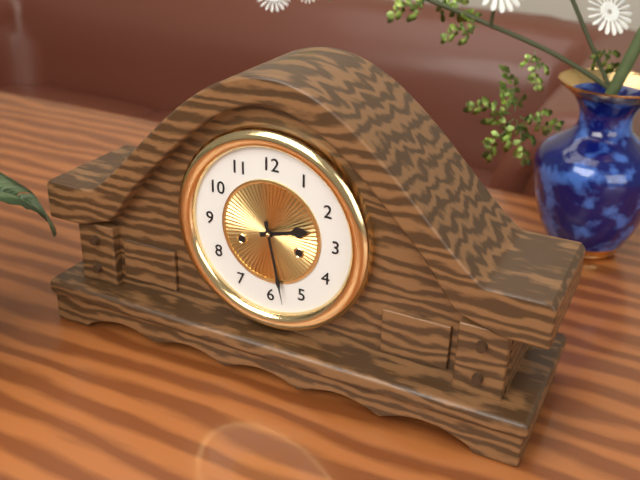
2.28
